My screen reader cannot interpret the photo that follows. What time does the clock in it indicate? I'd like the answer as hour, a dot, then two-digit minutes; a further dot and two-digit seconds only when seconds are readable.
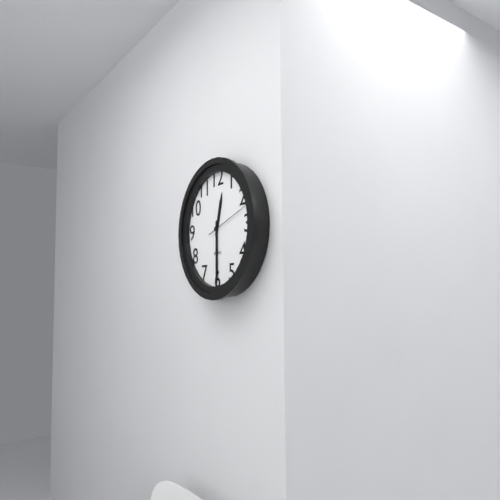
12.30.12
